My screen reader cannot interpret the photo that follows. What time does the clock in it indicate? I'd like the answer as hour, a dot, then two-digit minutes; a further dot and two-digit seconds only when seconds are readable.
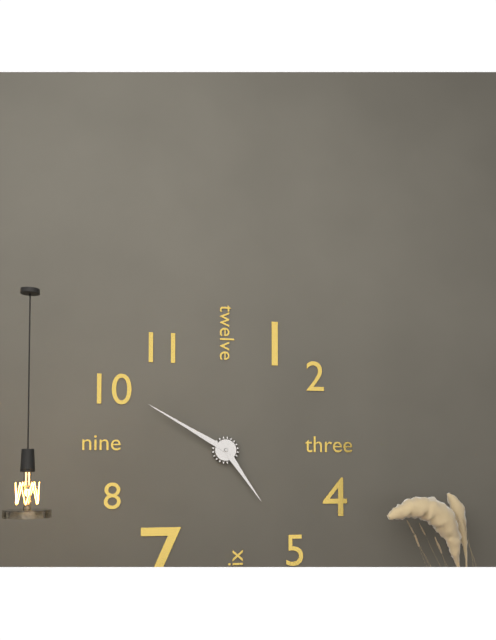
4.50
